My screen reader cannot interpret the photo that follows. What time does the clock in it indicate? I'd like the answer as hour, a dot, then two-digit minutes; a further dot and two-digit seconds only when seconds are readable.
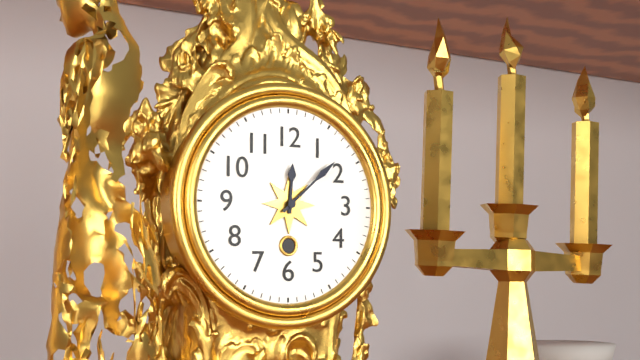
12.08
